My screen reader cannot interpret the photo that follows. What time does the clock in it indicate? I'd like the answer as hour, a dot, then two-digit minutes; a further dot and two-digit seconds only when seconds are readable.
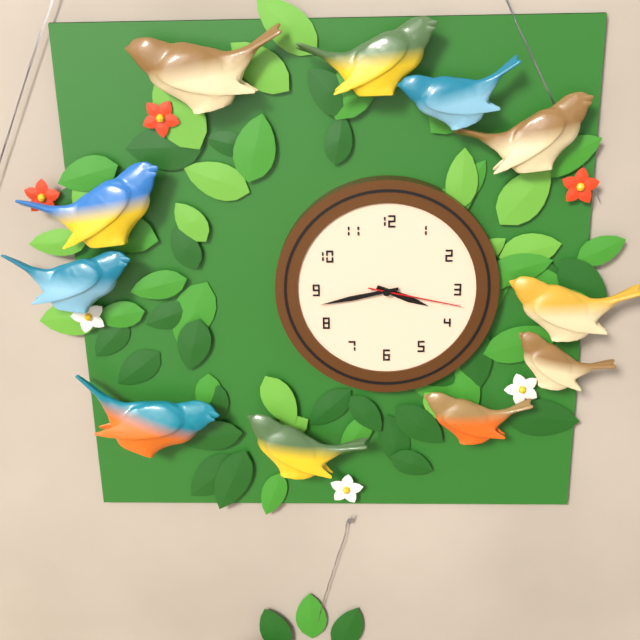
3.43.17
